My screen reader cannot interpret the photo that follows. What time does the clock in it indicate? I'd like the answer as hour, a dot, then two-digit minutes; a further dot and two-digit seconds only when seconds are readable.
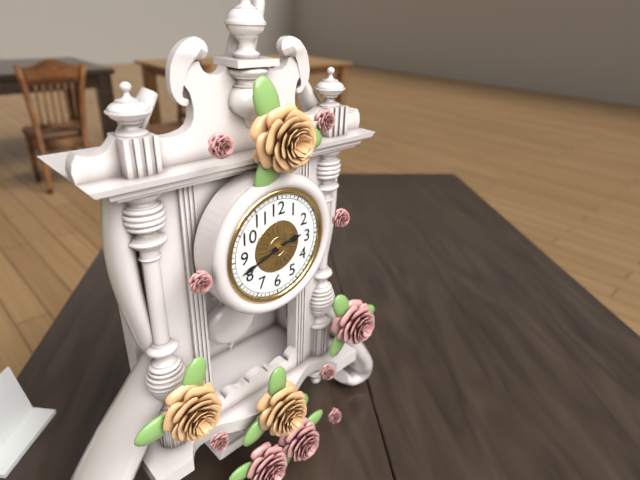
2.42
